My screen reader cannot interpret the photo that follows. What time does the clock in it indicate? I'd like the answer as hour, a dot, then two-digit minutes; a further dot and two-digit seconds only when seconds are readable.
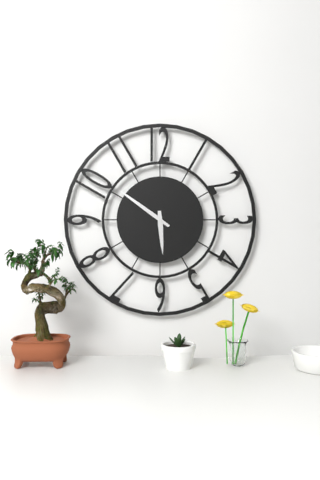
5.51
